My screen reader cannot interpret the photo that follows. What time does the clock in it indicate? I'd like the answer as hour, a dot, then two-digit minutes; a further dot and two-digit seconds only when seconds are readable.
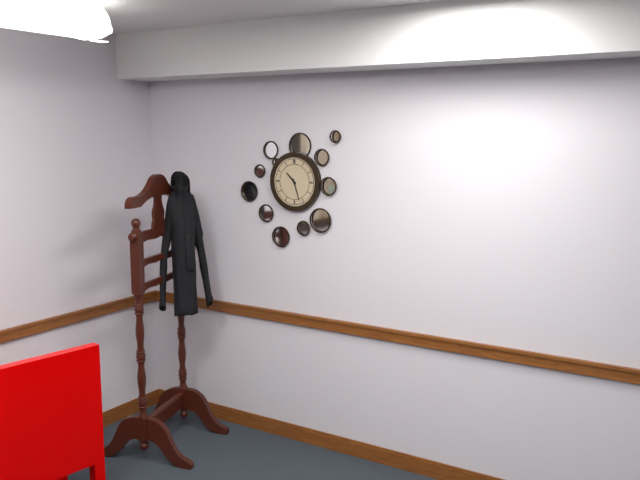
10.27
